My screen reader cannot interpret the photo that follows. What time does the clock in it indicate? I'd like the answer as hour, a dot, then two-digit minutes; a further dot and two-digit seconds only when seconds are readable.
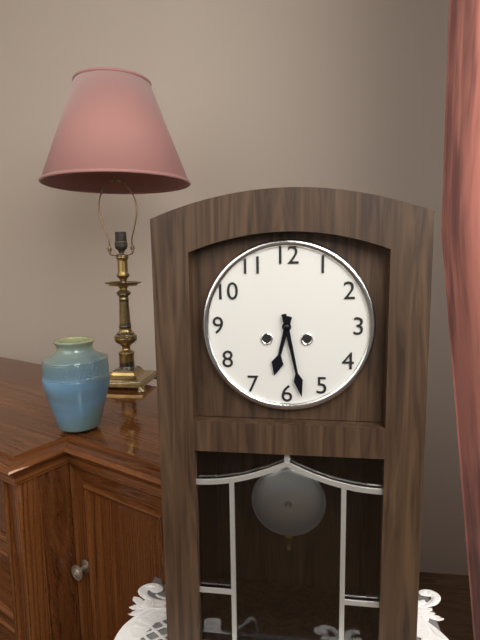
6.28
